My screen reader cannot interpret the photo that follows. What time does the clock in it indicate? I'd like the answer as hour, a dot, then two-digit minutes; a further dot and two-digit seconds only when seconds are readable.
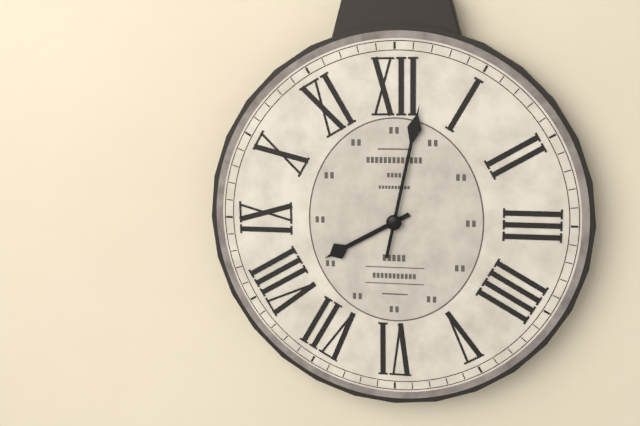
8.02
